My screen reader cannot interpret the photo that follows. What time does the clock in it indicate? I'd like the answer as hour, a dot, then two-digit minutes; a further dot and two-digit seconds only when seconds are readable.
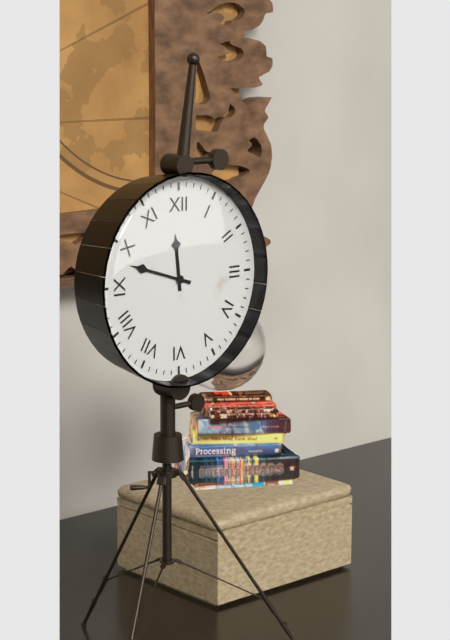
11.48
